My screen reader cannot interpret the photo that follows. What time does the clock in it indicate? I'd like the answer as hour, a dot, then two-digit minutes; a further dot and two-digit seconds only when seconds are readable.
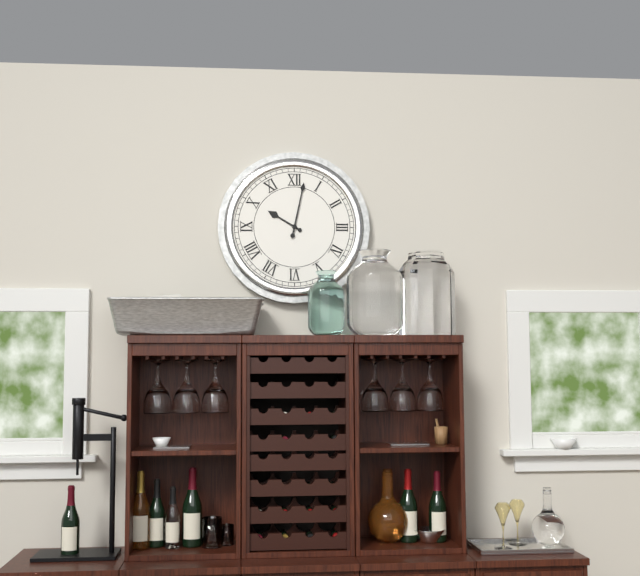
10.02
